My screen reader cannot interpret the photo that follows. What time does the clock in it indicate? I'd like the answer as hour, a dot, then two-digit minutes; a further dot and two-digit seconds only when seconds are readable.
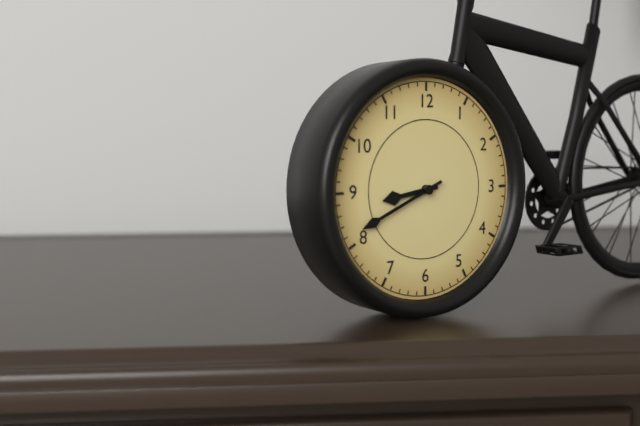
8.41
